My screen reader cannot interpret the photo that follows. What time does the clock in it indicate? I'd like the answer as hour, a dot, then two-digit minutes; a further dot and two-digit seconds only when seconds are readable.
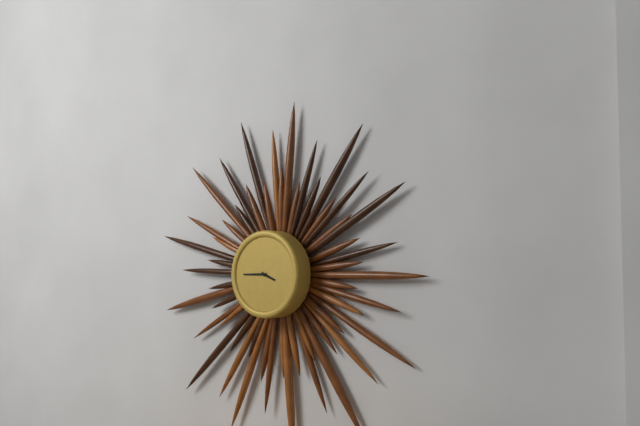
3.45
